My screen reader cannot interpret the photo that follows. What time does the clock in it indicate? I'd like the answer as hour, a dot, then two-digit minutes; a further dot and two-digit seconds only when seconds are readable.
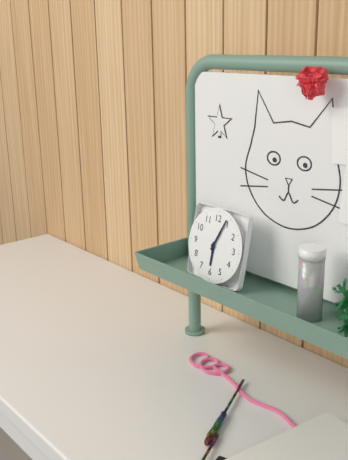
6.04
